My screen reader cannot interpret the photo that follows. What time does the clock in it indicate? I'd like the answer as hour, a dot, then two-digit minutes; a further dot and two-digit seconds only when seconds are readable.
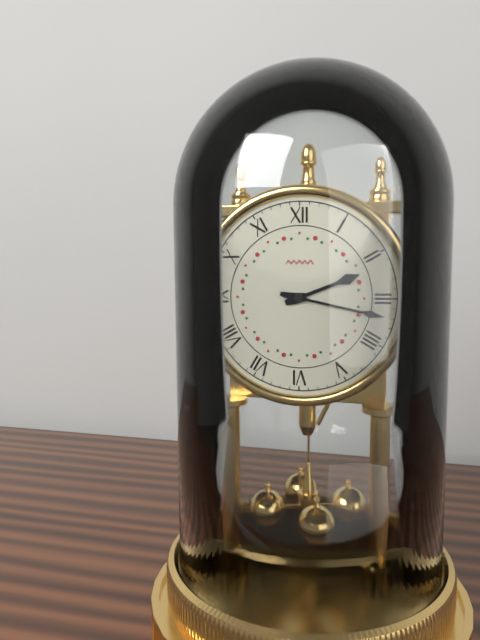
2.17
